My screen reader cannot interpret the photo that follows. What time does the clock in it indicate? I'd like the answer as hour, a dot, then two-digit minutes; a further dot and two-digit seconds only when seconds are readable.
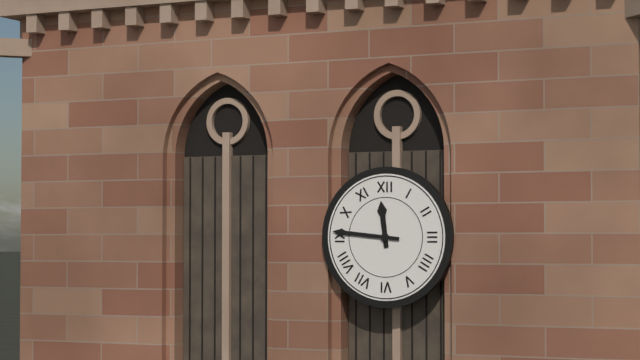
11.46
